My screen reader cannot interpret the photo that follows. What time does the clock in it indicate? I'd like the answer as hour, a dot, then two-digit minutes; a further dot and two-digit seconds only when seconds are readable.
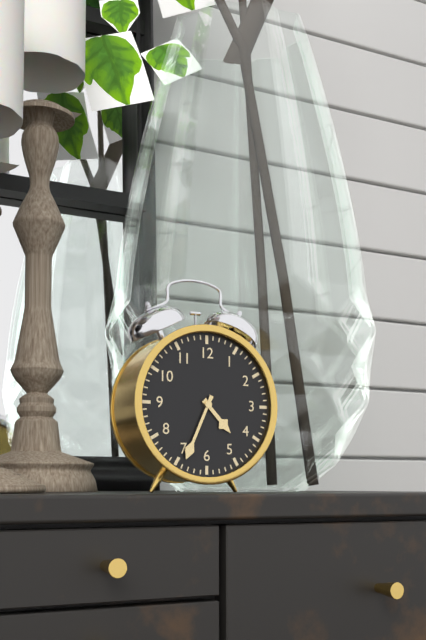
4.34
